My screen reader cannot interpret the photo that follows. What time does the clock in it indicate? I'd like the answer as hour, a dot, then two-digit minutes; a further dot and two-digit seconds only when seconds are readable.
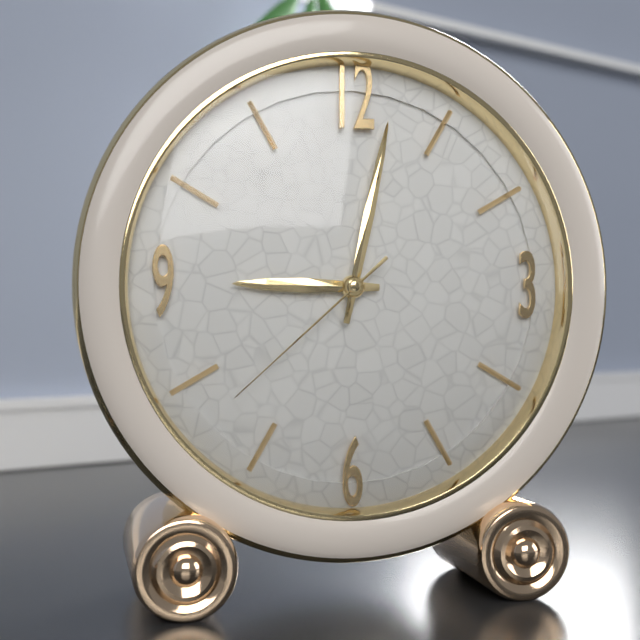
9.02.38
